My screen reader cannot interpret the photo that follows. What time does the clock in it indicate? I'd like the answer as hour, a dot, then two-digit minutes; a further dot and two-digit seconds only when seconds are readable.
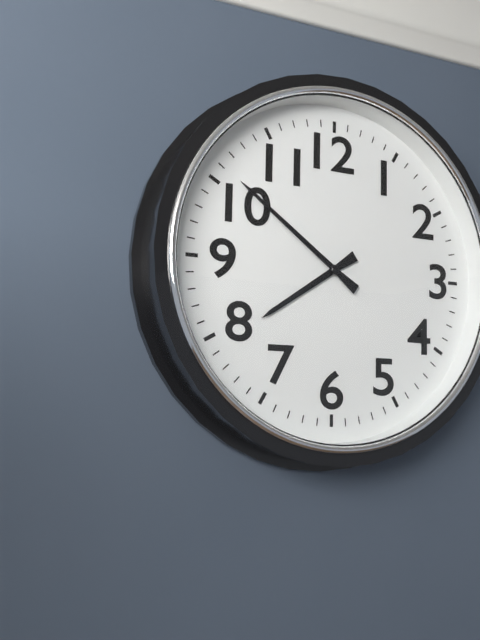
7.51
